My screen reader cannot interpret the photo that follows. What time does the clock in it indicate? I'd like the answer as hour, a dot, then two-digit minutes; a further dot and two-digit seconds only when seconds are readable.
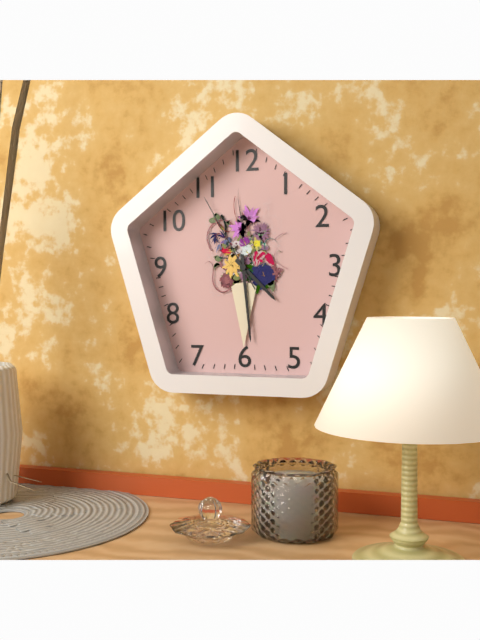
4.29.55
